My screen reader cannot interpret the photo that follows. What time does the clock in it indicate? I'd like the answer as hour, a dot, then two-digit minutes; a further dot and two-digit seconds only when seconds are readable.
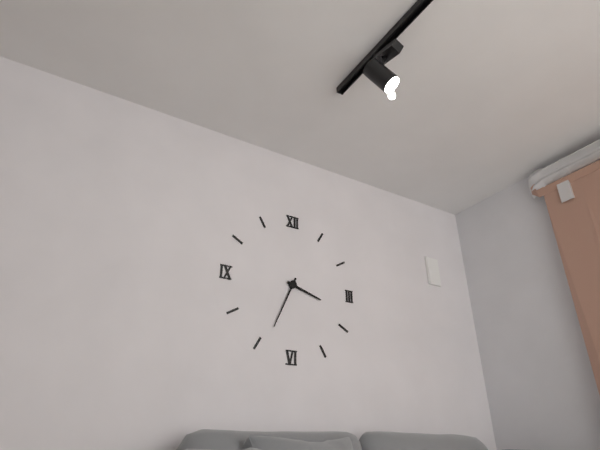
3.34
